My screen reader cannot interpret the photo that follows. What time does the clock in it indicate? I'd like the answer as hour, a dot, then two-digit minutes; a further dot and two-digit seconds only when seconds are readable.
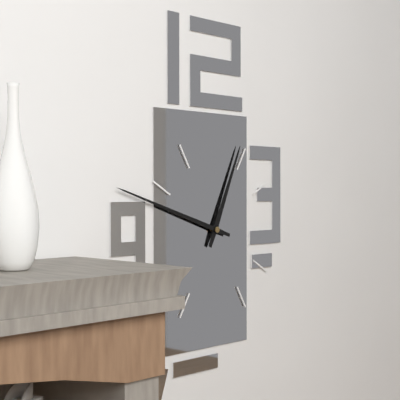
12.48
